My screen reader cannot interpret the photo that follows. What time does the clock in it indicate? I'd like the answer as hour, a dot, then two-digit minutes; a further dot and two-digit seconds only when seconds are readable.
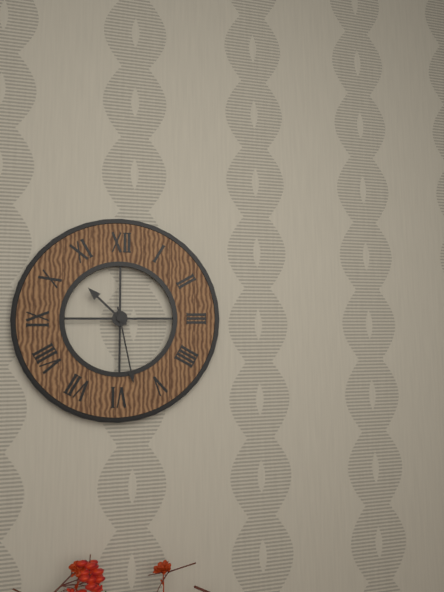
10.28
